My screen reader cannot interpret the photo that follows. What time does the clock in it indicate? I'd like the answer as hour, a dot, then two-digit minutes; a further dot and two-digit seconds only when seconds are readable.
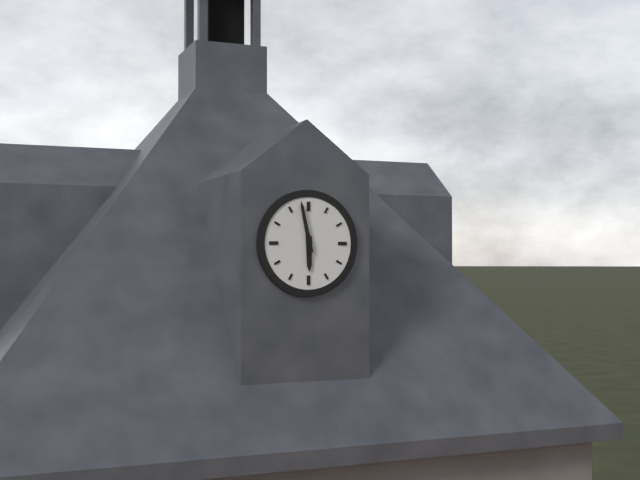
5.58
